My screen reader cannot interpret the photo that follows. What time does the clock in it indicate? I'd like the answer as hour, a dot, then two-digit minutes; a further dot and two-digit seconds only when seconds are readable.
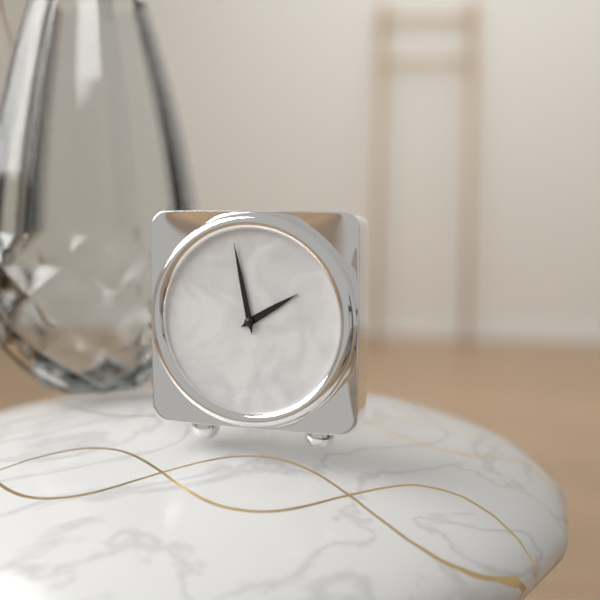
1.58
